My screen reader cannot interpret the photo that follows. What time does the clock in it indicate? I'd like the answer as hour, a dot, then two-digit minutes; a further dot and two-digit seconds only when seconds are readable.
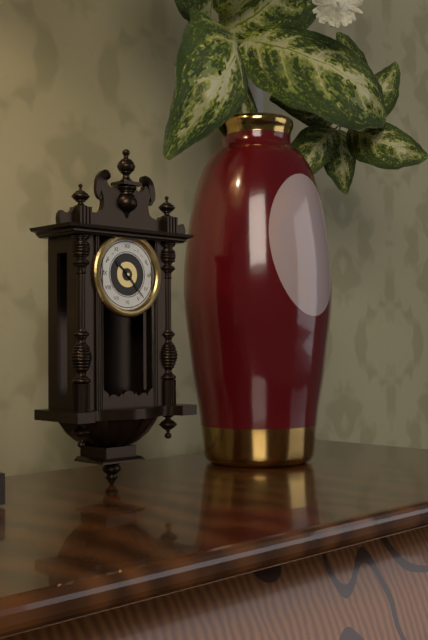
10.23
